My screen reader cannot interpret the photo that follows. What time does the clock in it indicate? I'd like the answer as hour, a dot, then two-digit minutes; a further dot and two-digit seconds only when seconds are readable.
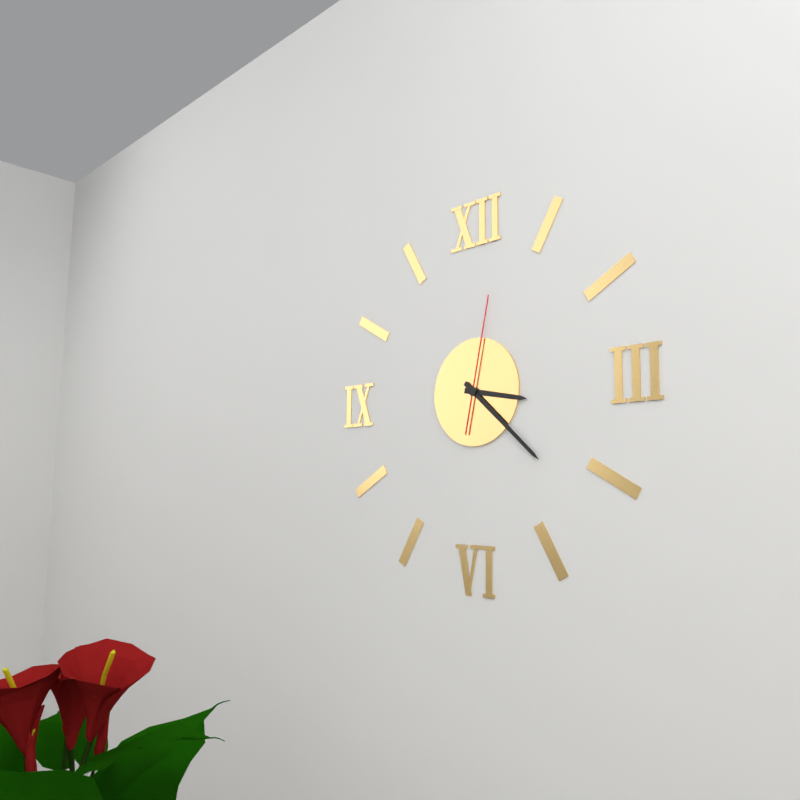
3.22.02
